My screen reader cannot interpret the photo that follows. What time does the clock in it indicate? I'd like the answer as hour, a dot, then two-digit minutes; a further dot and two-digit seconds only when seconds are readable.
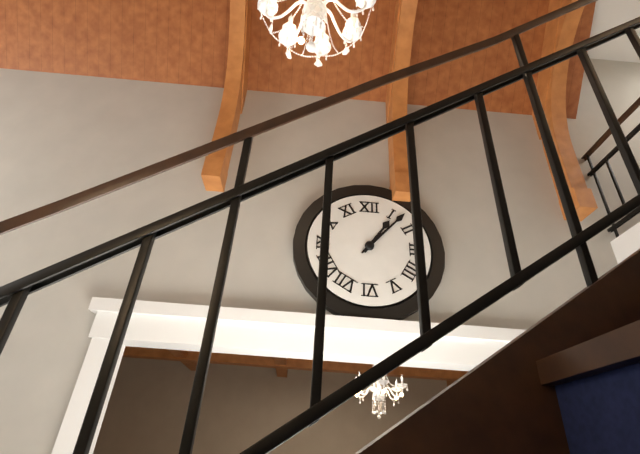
1.07
